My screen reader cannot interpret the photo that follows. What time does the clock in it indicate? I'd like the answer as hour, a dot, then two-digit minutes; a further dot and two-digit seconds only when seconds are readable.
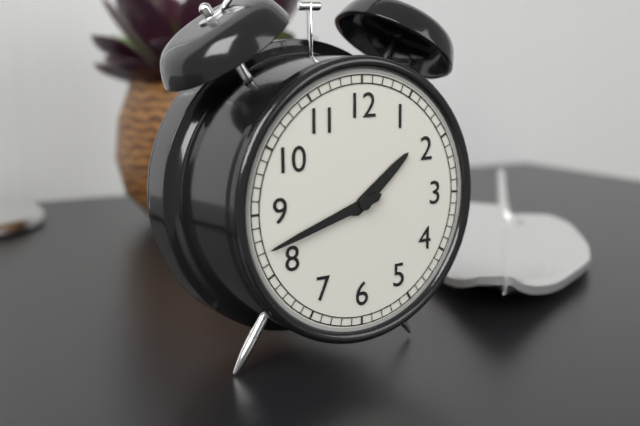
1.42
